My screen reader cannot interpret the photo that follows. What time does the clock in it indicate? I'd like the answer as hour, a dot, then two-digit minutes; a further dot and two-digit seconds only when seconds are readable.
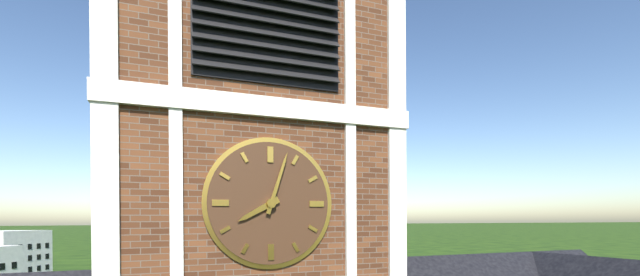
8.03
